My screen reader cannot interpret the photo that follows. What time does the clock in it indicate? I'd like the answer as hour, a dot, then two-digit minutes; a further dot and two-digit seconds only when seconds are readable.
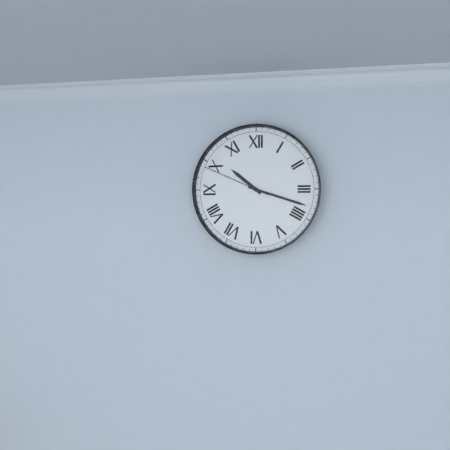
10.18.49
